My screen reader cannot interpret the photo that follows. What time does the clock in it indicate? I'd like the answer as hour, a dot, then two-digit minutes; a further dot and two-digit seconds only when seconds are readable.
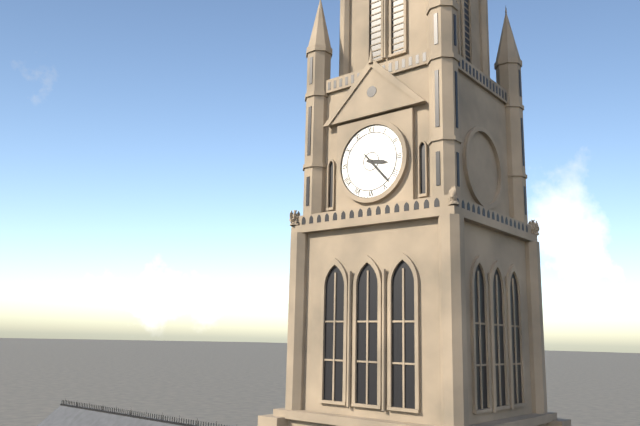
3.23
